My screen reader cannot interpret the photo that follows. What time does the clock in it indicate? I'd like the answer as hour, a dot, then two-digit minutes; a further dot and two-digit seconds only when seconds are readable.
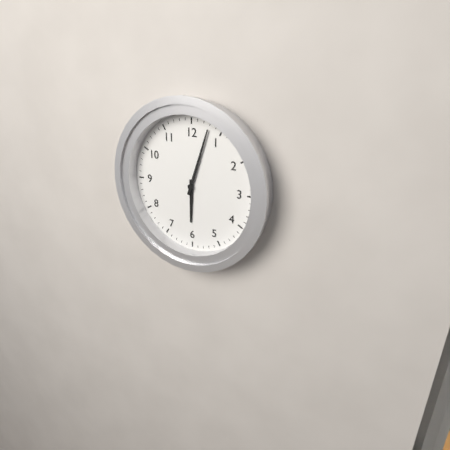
6.03
